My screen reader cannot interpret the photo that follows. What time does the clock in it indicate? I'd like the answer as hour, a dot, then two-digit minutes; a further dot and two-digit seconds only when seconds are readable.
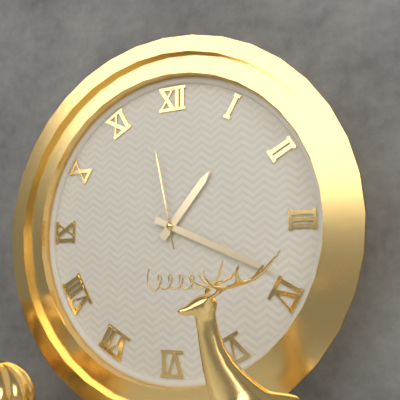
1.19.58
